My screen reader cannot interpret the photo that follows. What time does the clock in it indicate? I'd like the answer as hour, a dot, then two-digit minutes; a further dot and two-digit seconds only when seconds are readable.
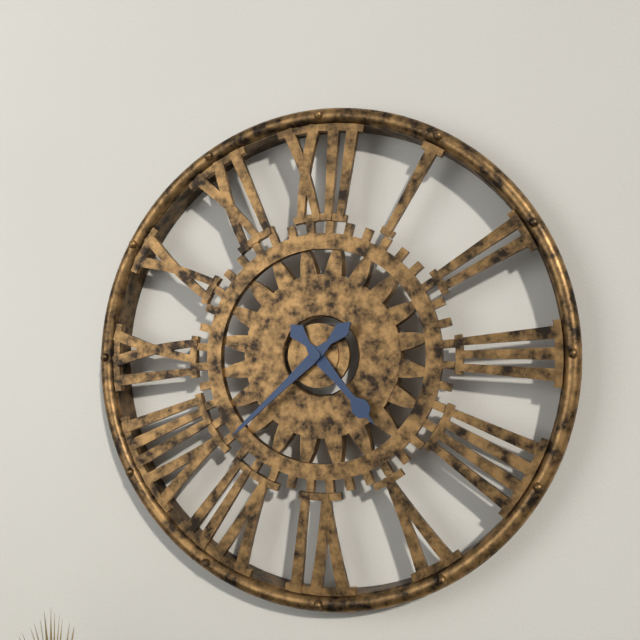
4.38
